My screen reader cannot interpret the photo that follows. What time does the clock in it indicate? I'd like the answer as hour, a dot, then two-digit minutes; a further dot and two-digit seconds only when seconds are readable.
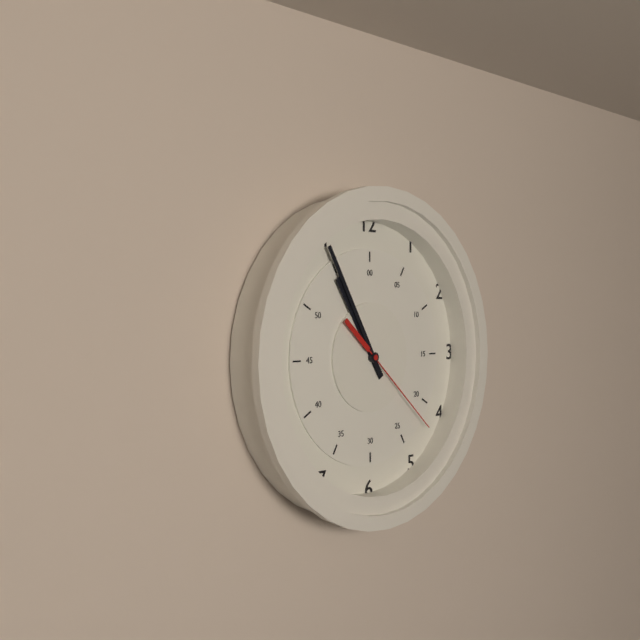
10.55.22
